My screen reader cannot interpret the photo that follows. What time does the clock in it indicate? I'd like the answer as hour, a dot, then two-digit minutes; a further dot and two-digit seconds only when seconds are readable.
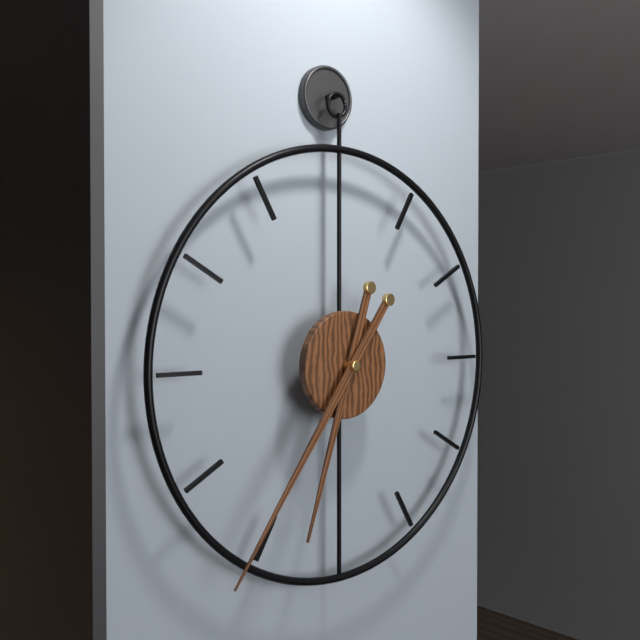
6.36
